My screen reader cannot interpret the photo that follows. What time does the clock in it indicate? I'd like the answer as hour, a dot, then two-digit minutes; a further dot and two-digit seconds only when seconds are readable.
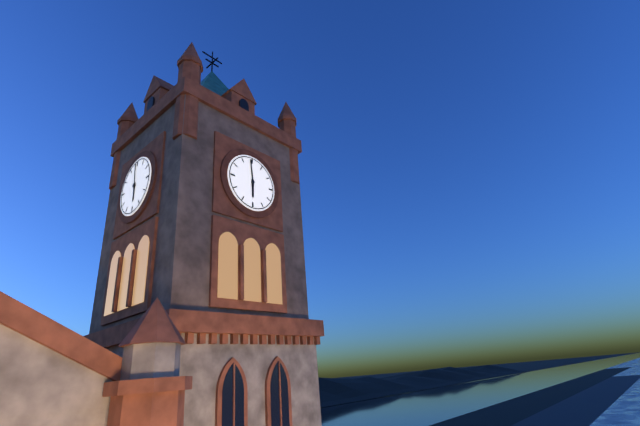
5.59
